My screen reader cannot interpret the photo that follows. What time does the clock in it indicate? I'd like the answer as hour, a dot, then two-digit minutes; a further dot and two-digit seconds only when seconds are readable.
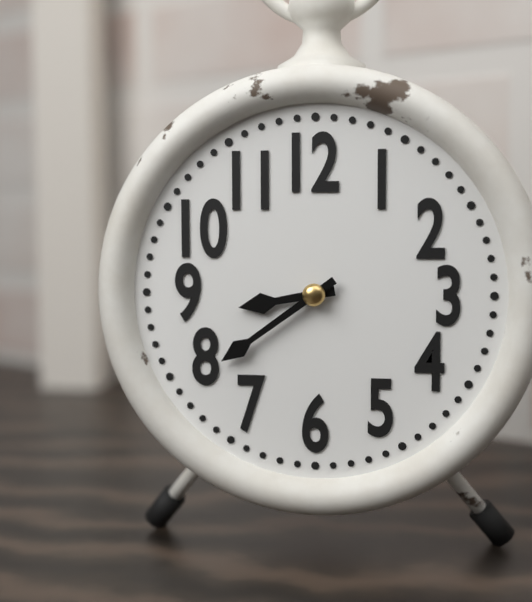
8.39
